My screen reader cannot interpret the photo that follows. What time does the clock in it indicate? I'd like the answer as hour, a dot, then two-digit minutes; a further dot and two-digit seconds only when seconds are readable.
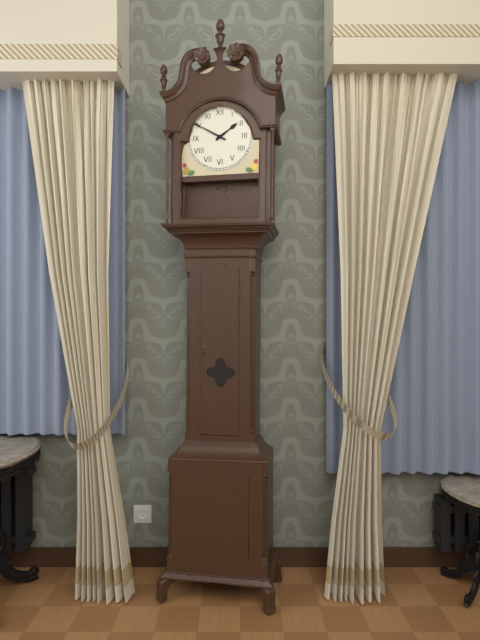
1.50
